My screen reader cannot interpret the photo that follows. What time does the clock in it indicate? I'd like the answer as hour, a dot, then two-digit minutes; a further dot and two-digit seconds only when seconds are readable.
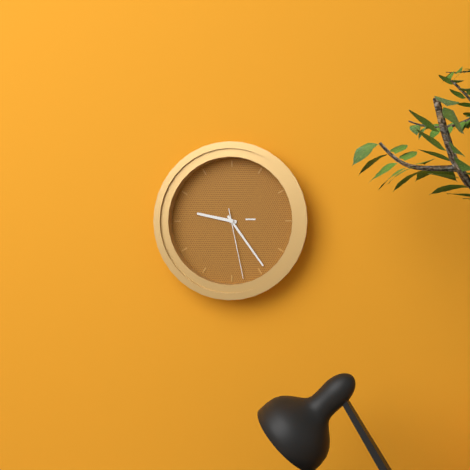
9.24.28
